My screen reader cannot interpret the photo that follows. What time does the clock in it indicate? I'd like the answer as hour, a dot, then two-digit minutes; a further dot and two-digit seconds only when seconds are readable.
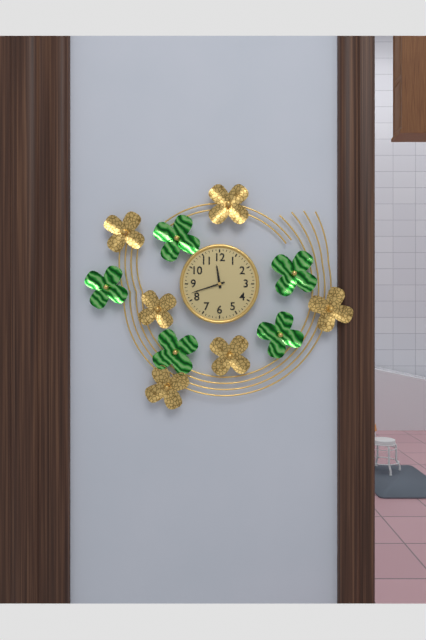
11.42
